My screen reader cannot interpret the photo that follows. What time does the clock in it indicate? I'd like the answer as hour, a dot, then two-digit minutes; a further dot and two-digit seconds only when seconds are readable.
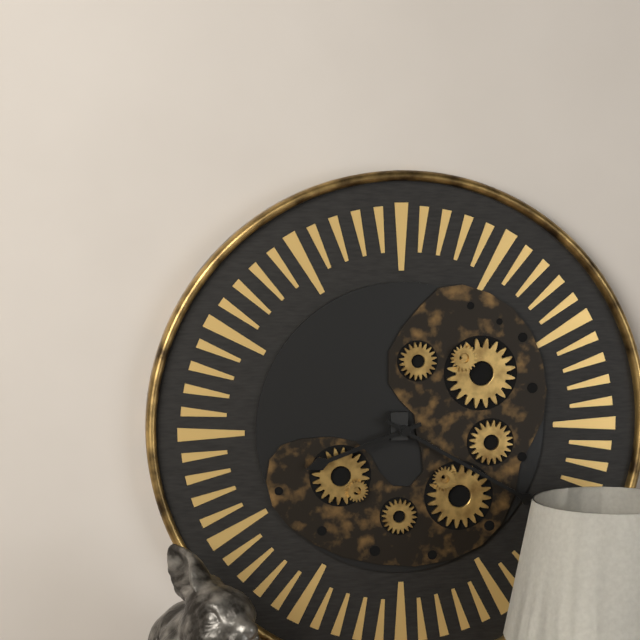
8.20
